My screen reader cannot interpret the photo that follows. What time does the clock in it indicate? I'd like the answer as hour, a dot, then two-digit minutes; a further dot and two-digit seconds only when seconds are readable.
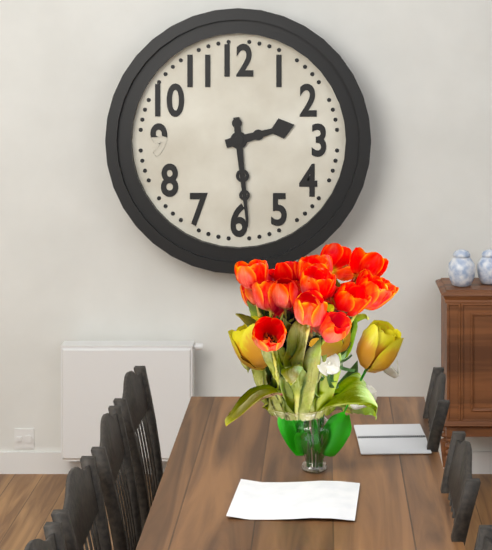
2.29
